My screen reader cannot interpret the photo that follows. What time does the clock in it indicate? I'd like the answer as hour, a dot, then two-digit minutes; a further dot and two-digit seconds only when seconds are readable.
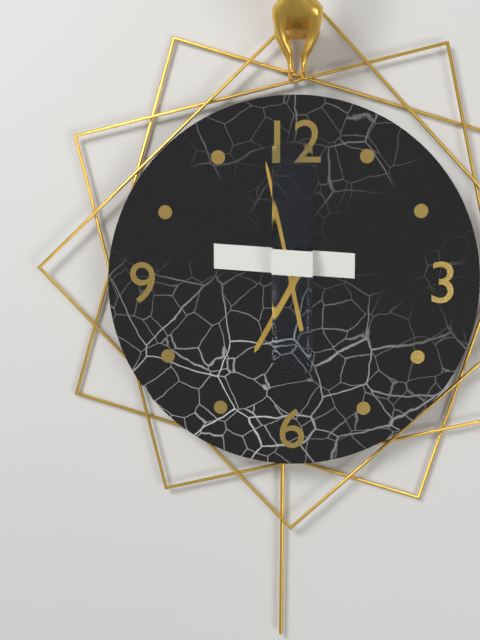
6.58
